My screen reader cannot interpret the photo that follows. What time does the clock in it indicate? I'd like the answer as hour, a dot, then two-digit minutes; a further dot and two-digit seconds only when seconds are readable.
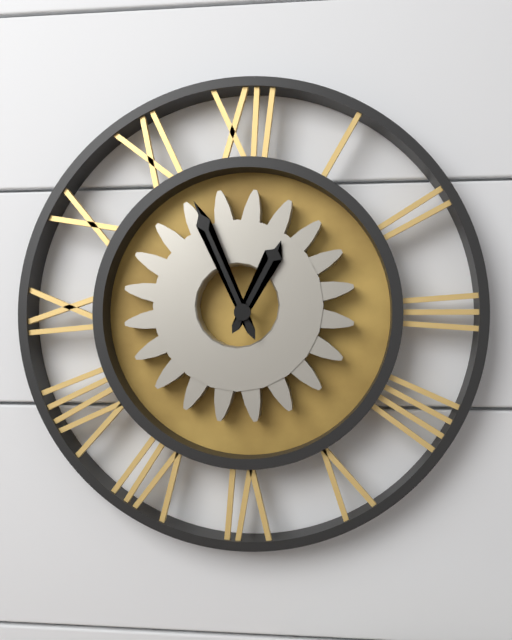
12.56
